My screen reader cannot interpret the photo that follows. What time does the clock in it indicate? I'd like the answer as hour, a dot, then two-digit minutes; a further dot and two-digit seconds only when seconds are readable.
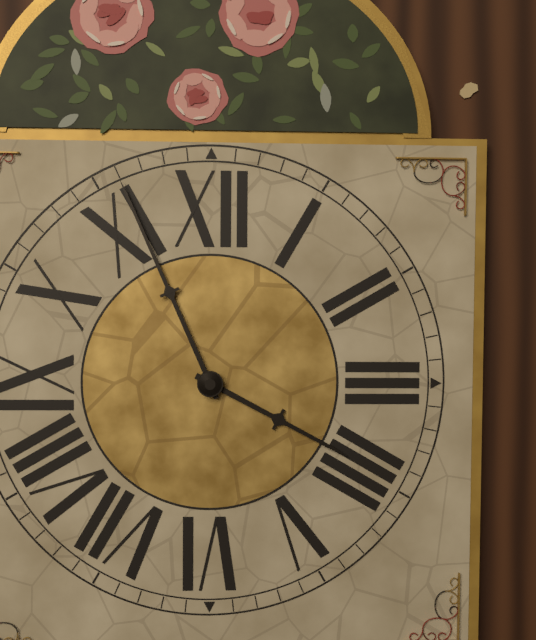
3.56
